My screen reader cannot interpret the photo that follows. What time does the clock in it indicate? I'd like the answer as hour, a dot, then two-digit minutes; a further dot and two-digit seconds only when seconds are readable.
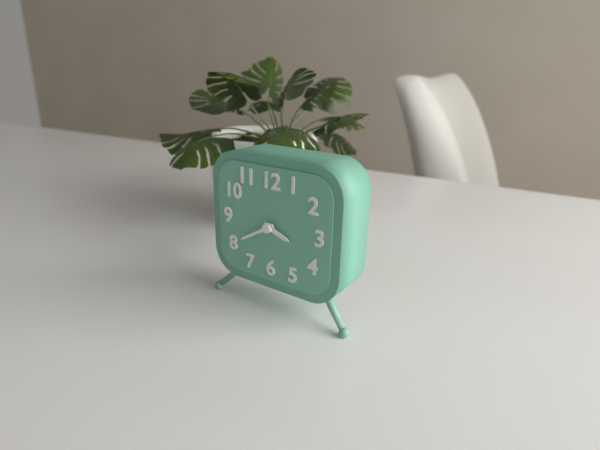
3.40
